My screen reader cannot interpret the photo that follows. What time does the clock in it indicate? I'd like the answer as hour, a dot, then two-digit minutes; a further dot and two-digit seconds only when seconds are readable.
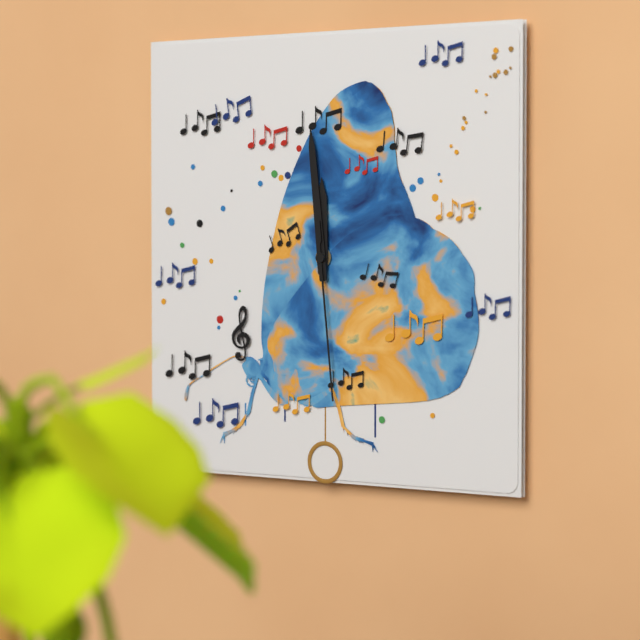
11.59.29
